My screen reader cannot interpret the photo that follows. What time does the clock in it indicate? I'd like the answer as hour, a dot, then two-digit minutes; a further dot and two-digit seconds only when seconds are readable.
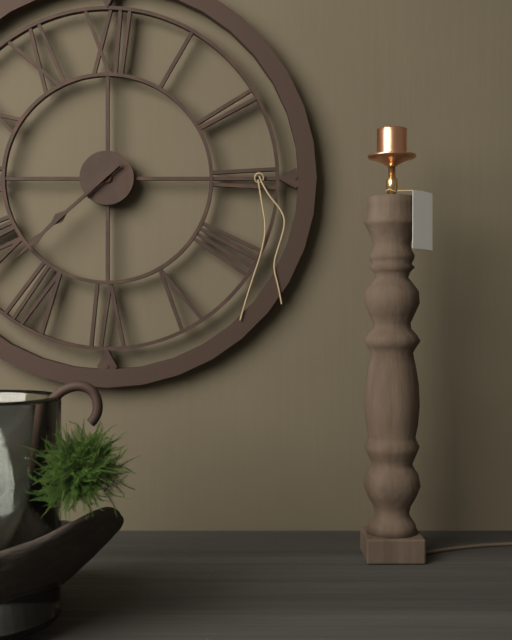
7.38
